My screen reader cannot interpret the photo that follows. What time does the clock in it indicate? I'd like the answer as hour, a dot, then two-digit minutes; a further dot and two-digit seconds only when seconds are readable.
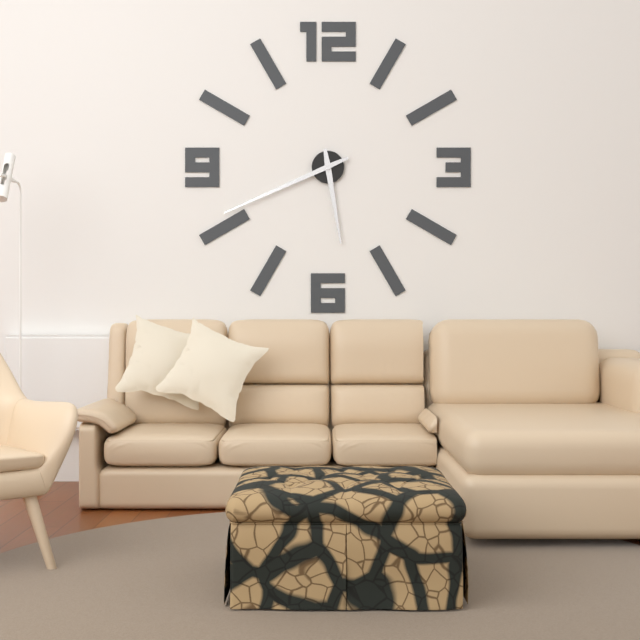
5.41
